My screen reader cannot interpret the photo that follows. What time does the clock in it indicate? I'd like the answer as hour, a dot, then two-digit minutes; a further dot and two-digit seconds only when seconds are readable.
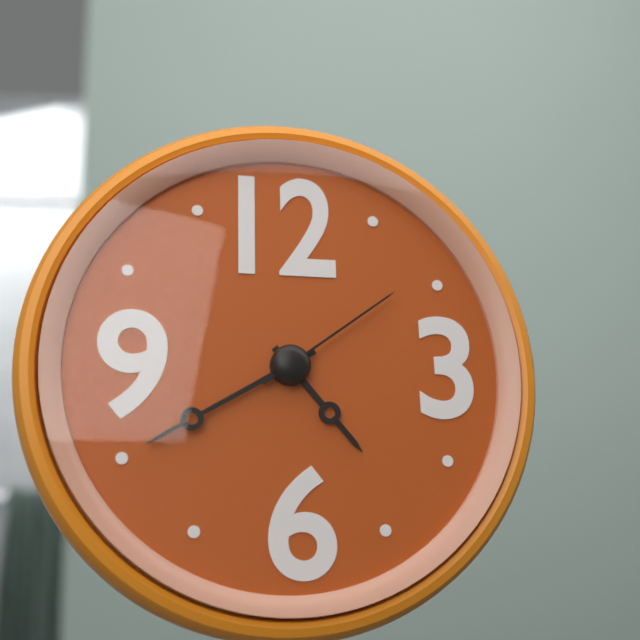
4.40.09
